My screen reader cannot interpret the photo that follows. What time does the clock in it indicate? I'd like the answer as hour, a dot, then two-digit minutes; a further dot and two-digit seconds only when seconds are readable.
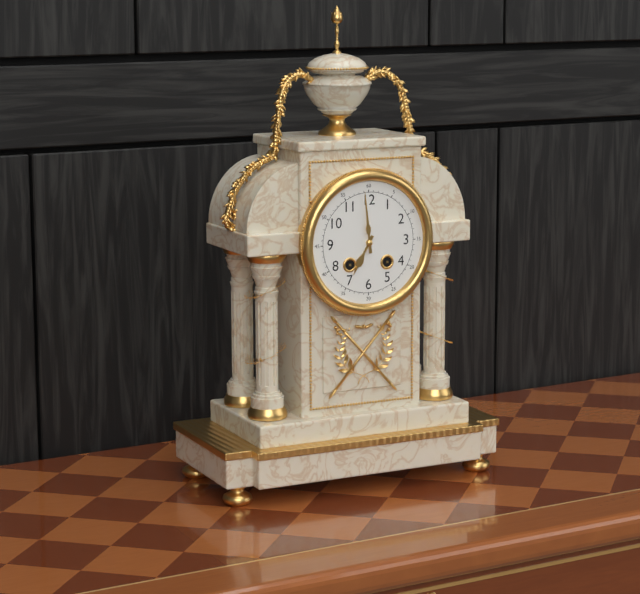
6.59
